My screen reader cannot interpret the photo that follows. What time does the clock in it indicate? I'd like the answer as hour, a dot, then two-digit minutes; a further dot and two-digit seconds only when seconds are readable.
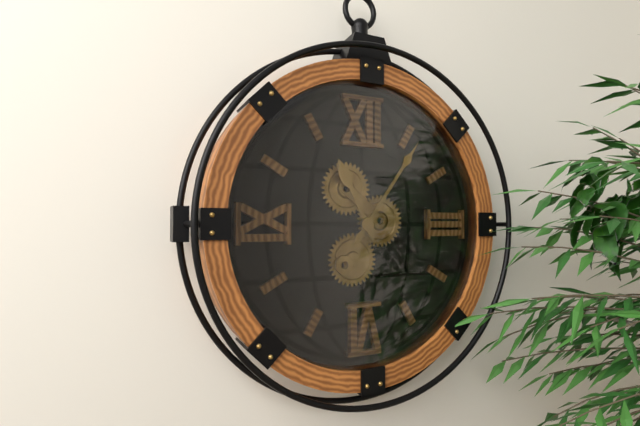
11.06
